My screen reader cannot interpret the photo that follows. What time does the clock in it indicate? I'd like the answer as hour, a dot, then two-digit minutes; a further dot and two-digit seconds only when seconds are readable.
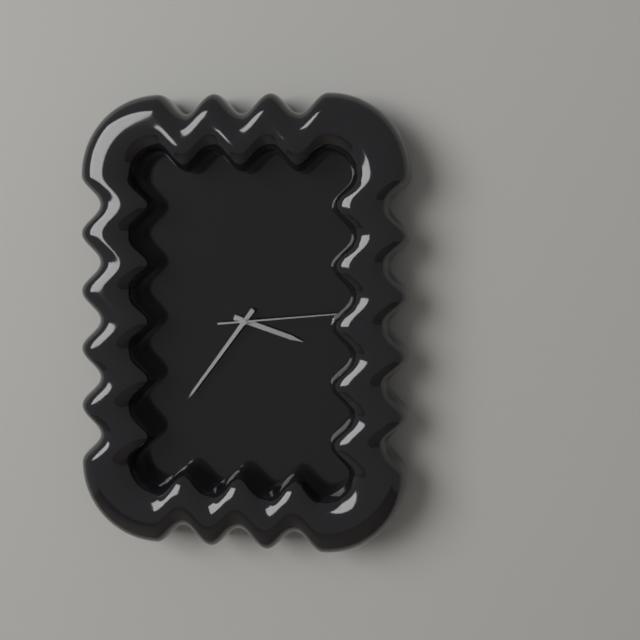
3.36.14
